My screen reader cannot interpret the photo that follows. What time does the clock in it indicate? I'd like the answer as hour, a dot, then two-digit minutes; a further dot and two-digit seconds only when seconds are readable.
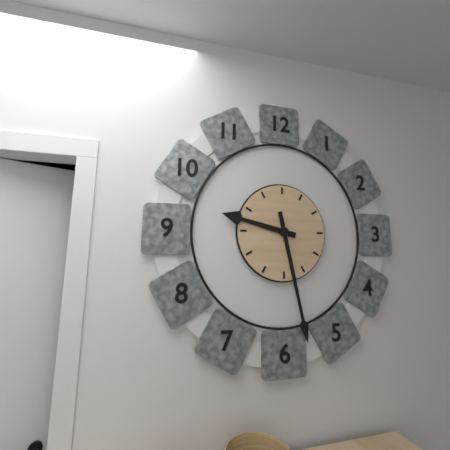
9.28
